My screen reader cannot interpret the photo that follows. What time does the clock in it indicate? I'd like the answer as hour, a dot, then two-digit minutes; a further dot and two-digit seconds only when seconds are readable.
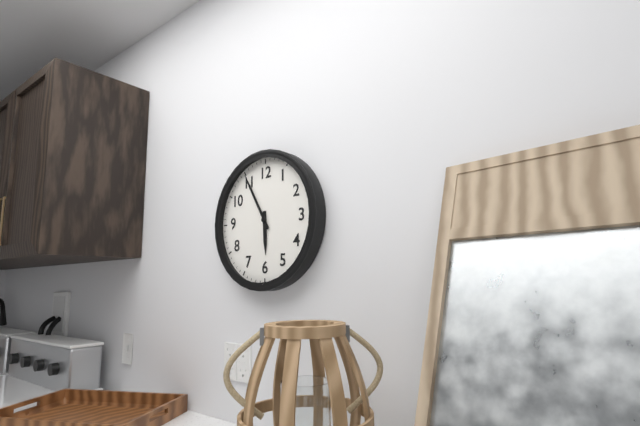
5.55
